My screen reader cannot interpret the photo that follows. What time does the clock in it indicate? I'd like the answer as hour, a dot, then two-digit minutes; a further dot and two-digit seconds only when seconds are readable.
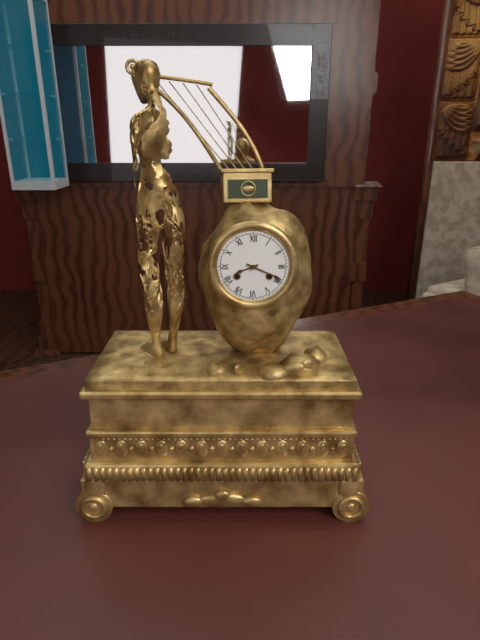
8.19
